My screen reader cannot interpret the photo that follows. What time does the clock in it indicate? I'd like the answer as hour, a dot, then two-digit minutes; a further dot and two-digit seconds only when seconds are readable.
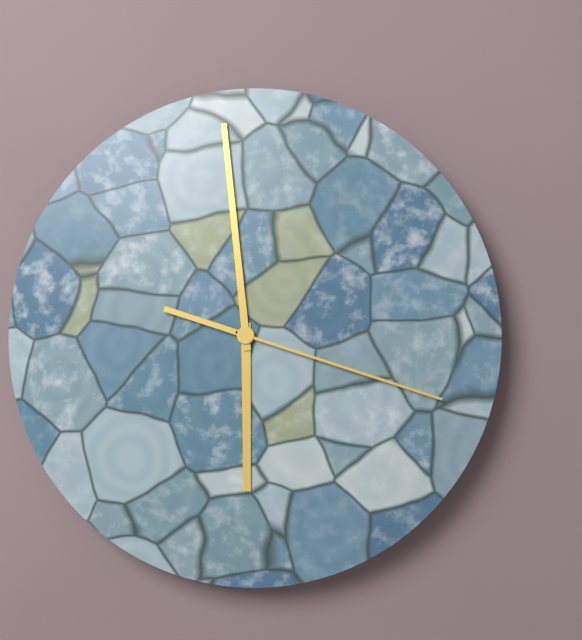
5.59.18
